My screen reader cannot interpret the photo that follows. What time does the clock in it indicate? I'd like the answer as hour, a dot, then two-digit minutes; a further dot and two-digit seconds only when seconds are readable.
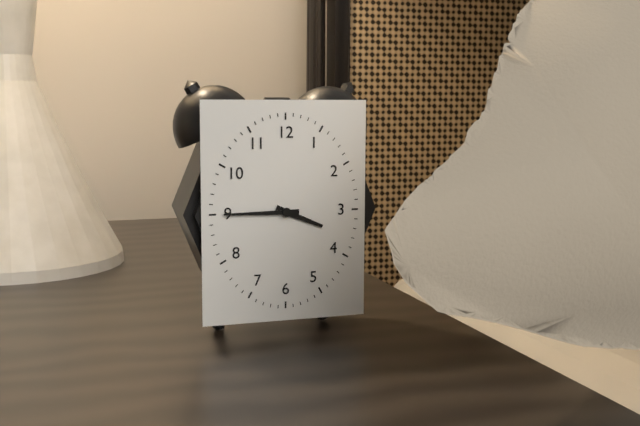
3.45
